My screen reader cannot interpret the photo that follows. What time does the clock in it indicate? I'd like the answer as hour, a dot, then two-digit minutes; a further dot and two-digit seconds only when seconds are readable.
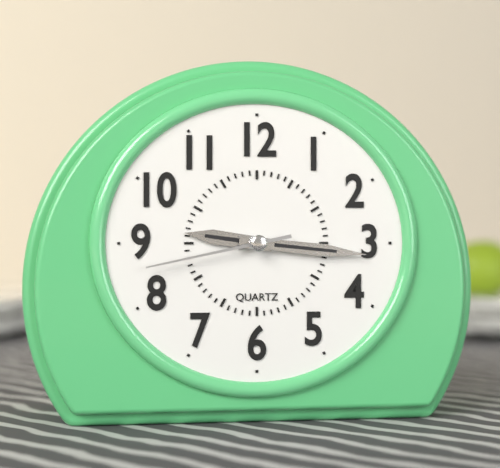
9.16.43
